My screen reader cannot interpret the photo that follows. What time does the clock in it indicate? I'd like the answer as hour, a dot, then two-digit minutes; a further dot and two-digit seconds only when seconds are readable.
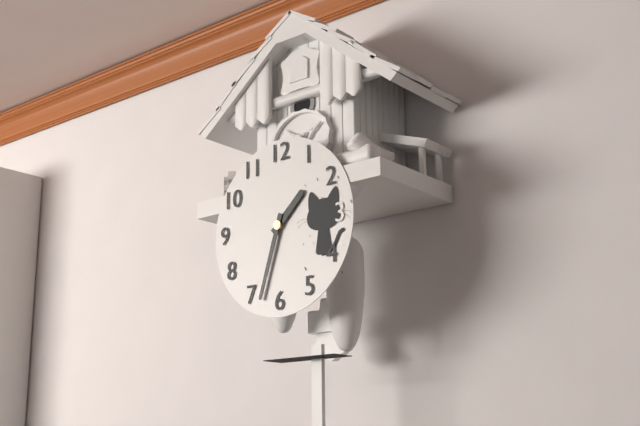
1.33
